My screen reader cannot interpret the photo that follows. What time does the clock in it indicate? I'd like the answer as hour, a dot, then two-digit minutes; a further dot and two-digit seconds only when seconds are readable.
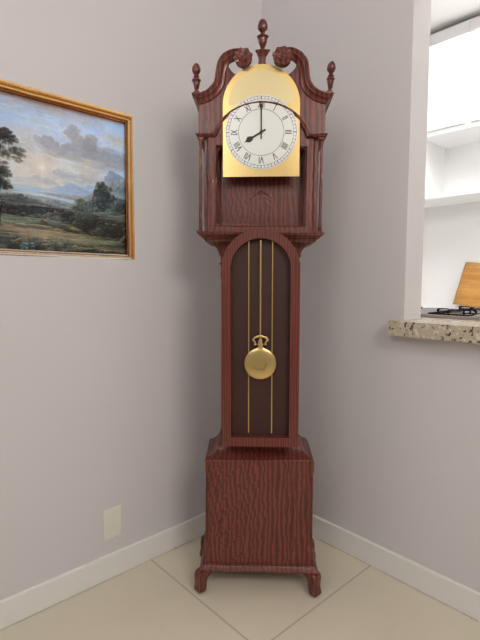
8.00
